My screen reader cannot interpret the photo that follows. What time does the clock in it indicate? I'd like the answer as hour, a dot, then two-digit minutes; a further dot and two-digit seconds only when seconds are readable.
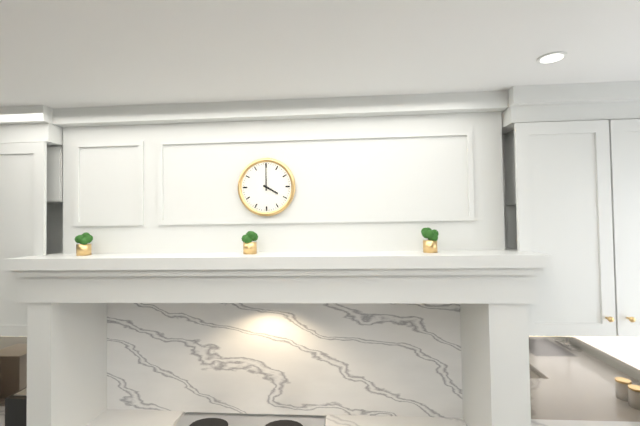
4.00
